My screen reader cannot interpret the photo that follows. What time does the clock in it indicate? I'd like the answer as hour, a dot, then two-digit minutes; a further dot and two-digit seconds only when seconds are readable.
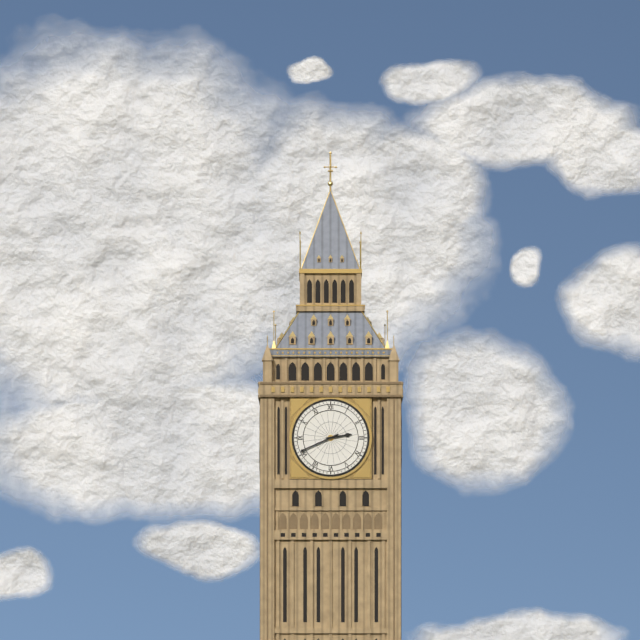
2.41
